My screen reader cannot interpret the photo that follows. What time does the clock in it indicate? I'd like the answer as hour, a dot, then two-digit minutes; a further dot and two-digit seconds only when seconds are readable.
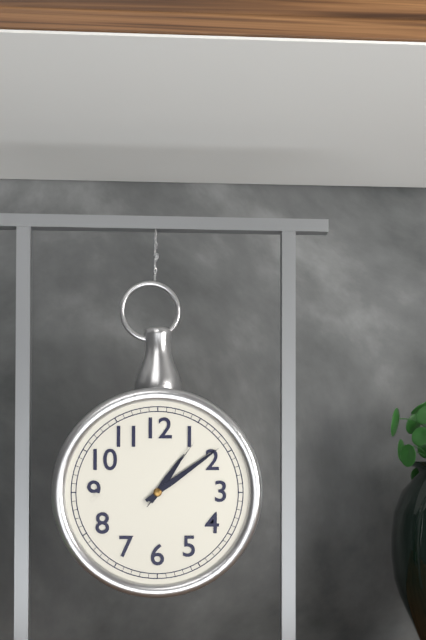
1.09.06
